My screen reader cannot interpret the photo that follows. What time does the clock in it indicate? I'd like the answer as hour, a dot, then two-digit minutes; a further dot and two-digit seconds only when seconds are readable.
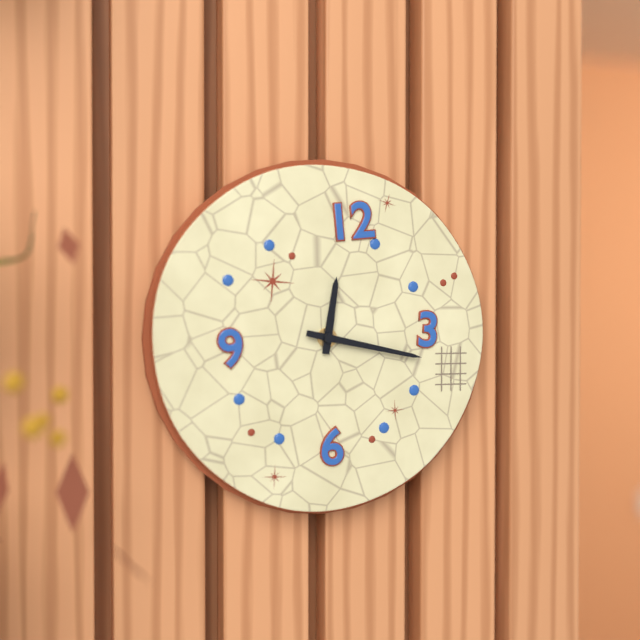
12.17
